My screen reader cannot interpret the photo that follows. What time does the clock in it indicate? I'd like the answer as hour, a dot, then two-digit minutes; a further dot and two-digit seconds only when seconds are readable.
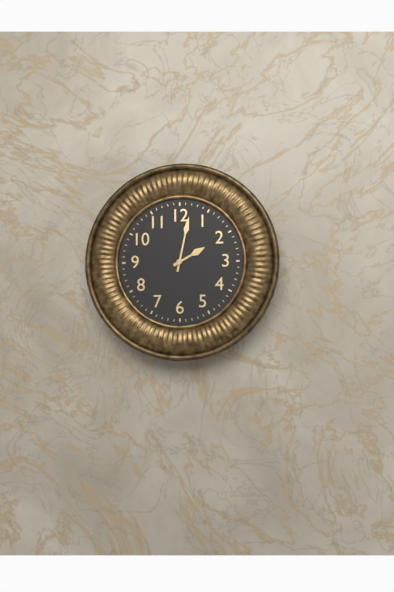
2.02
